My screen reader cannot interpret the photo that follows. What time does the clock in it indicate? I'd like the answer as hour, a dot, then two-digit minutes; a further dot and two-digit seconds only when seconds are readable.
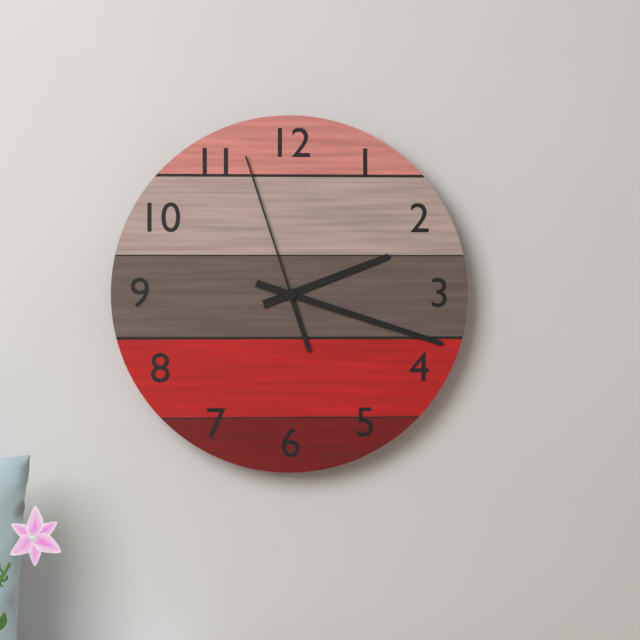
2.18.57
